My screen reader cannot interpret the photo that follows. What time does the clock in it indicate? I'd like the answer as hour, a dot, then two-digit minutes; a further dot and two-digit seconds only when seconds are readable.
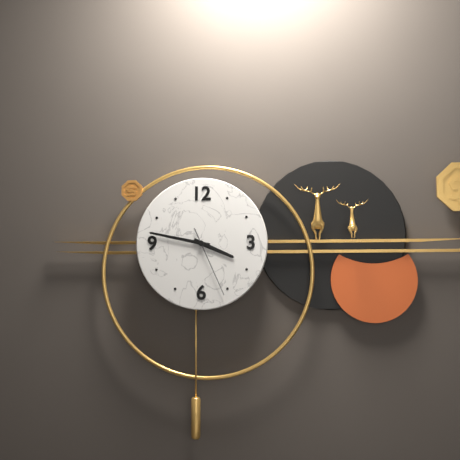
3.47.26
